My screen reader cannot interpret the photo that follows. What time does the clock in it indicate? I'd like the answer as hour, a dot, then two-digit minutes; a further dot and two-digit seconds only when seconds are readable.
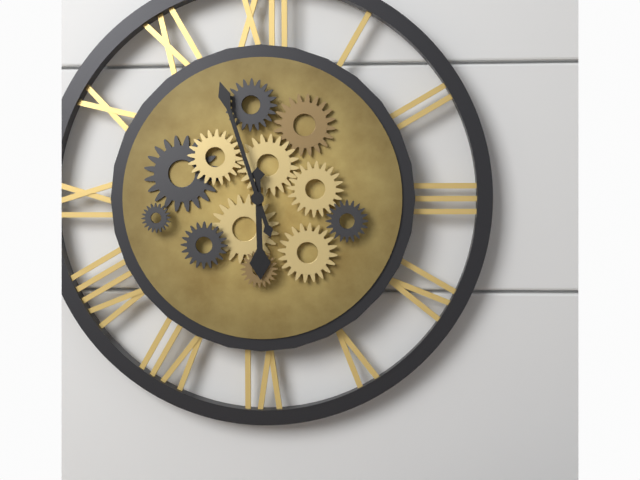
5.57
